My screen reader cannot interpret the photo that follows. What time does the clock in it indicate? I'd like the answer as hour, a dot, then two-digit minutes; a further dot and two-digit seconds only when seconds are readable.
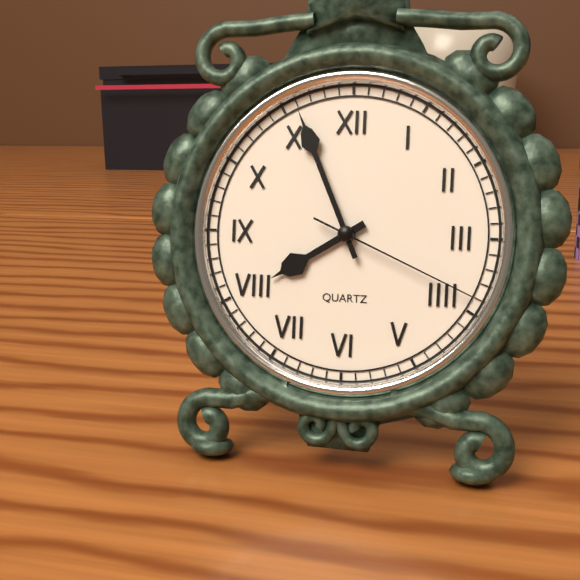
7.56.19
